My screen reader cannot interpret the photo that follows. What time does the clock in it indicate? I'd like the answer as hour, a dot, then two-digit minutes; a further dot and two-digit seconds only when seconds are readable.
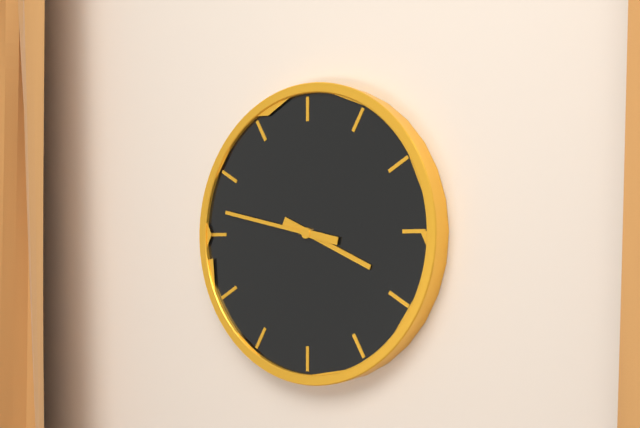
3.47
